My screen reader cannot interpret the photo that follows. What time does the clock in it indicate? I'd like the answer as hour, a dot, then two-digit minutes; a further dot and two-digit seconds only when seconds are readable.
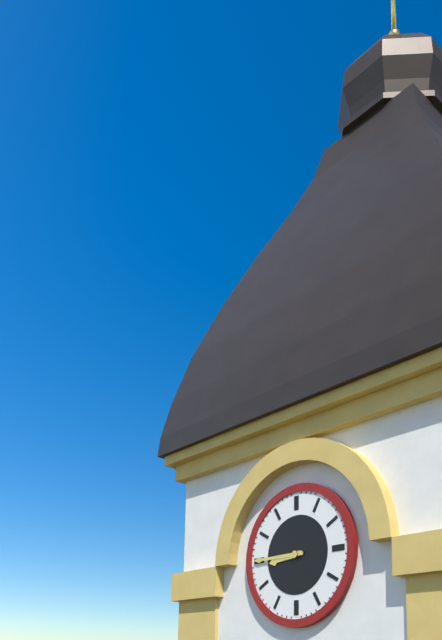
8.45
